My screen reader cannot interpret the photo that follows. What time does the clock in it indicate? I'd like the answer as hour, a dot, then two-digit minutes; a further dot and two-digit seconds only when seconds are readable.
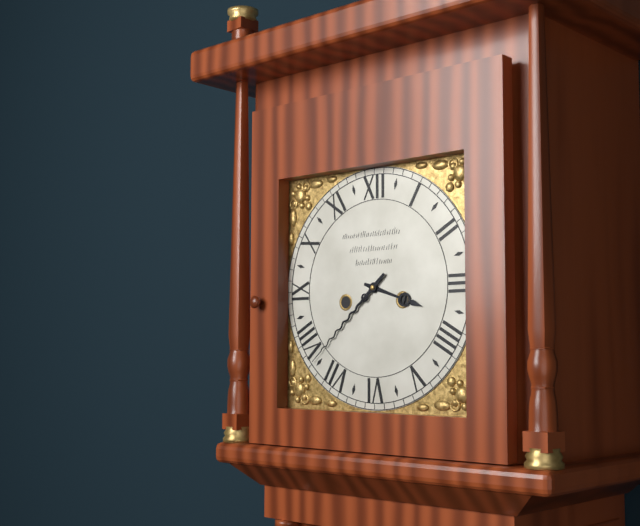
3.38
